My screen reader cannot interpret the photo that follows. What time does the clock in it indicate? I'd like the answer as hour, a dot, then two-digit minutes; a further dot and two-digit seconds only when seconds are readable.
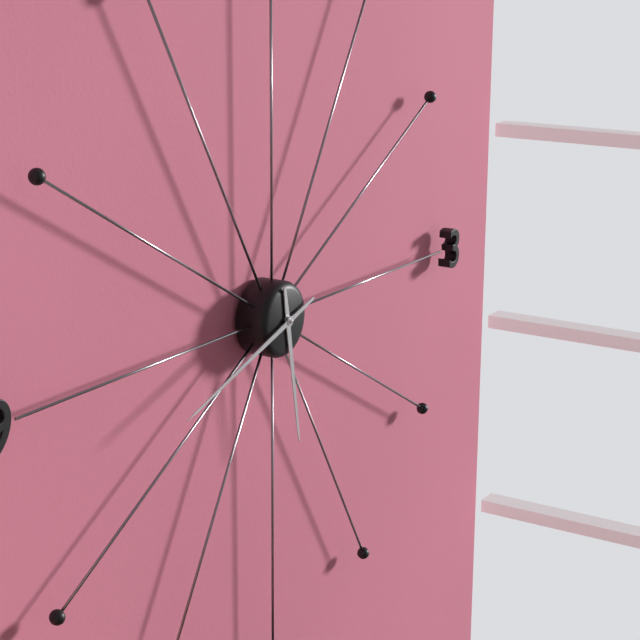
5.42
